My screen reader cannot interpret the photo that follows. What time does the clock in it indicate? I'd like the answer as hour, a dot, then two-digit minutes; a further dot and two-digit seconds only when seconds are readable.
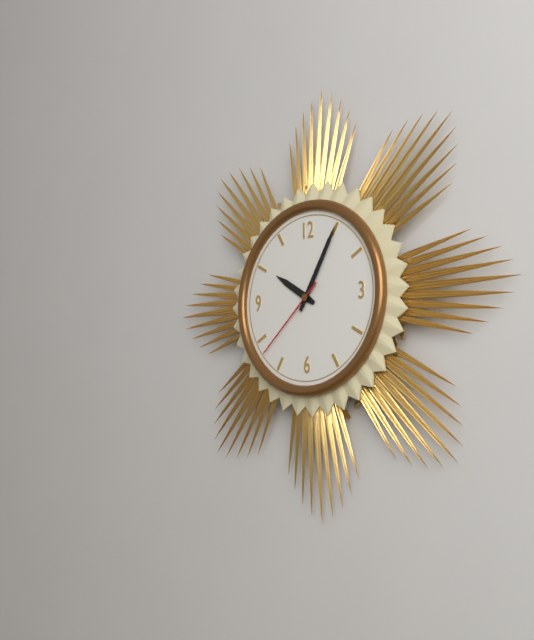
10.05.38
